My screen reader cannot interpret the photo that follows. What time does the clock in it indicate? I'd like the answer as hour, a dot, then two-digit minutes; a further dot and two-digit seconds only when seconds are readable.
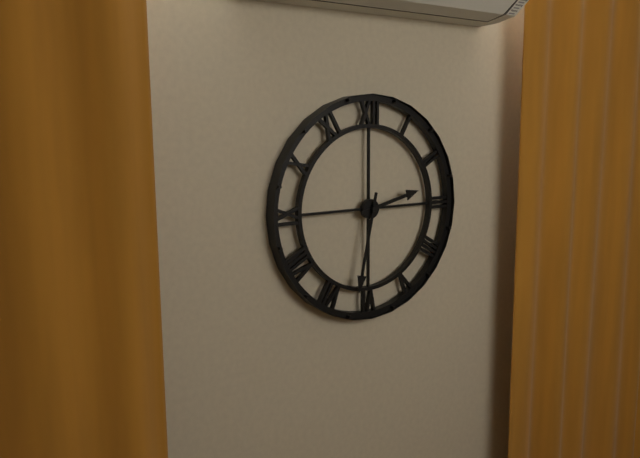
2.32
